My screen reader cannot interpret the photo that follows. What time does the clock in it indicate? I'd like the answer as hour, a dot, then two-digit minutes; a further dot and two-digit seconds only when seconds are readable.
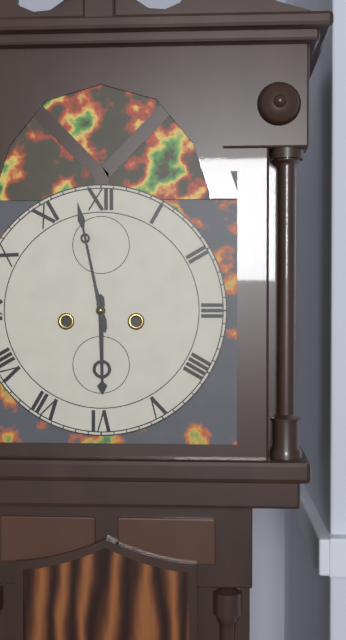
5.58
